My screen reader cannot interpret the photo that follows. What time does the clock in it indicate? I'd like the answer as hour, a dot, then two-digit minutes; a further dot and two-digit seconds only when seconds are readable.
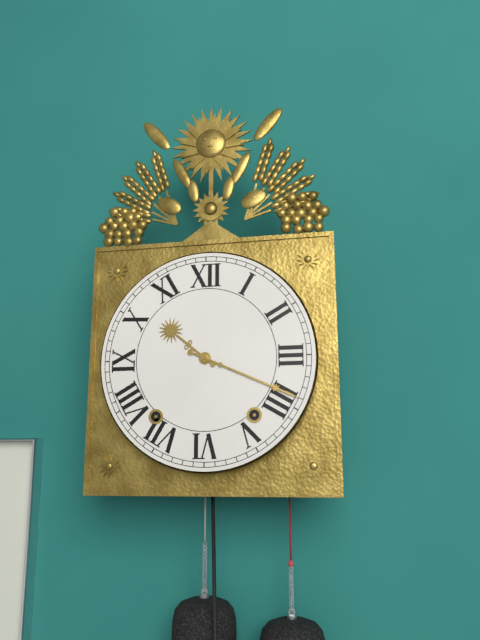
10.19
